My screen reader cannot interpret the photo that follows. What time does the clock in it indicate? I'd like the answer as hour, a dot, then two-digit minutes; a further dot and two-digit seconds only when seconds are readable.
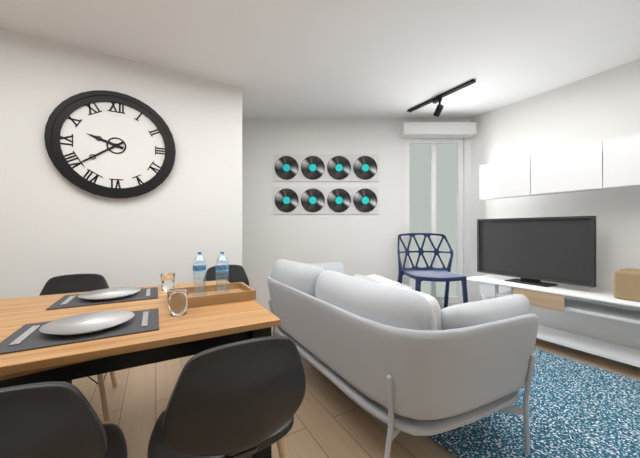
9.39
